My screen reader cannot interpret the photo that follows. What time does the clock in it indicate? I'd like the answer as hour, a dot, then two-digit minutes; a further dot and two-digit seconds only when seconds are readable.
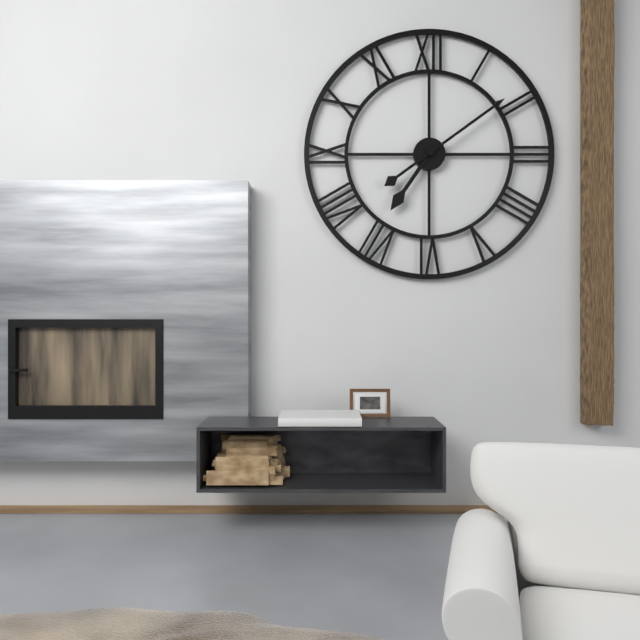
7.09
